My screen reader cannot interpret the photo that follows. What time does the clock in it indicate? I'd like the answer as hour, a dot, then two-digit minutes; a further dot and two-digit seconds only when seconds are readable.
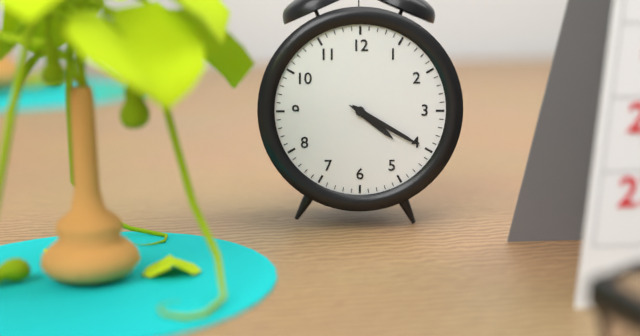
4.20
